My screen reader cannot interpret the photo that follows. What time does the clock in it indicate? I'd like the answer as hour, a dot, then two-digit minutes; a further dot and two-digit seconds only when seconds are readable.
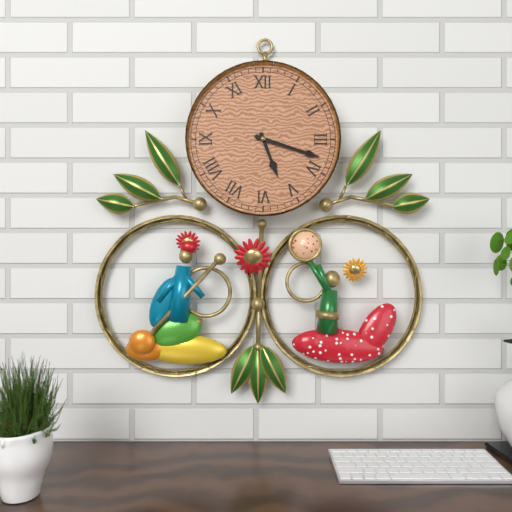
5.18
